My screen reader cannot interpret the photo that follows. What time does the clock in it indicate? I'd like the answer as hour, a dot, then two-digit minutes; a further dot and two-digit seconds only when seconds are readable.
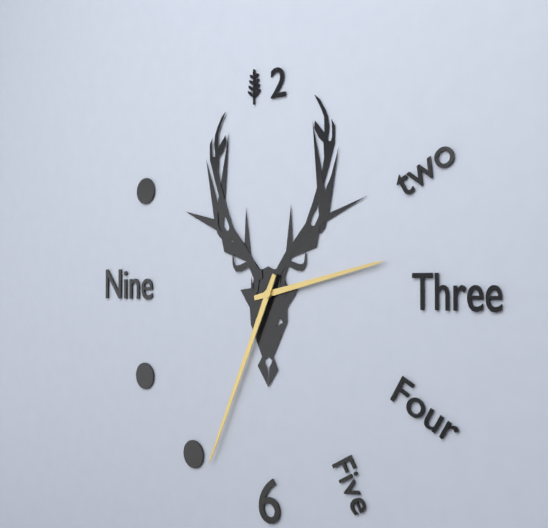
2.34
